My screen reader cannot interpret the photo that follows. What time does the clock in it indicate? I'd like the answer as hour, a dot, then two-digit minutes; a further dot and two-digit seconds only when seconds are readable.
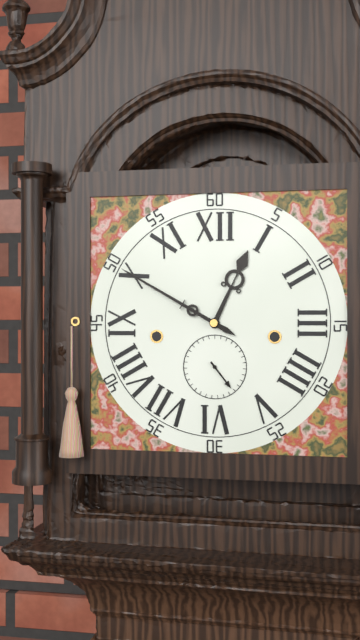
12.50
